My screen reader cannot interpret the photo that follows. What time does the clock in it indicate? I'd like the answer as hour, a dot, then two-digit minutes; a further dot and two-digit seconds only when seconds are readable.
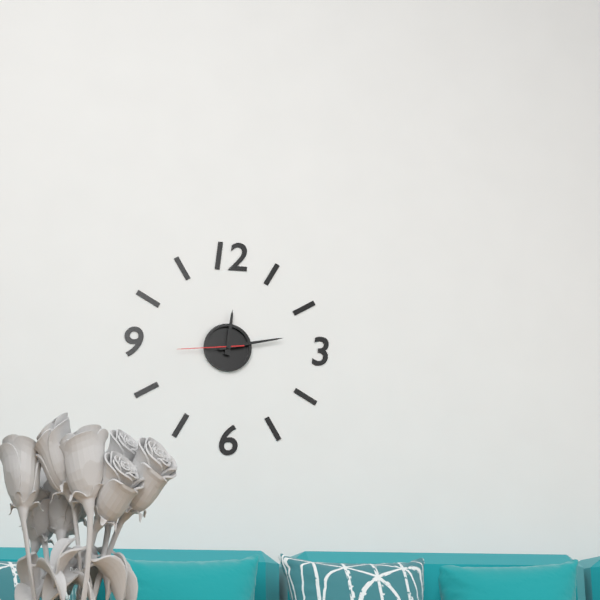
12.13.44
